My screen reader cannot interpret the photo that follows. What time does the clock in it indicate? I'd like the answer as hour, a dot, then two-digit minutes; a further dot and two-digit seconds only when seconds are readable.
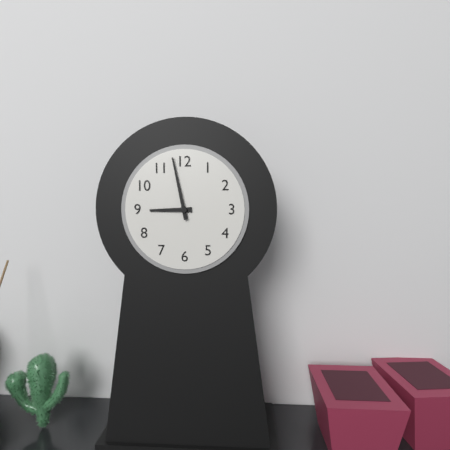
8.58
